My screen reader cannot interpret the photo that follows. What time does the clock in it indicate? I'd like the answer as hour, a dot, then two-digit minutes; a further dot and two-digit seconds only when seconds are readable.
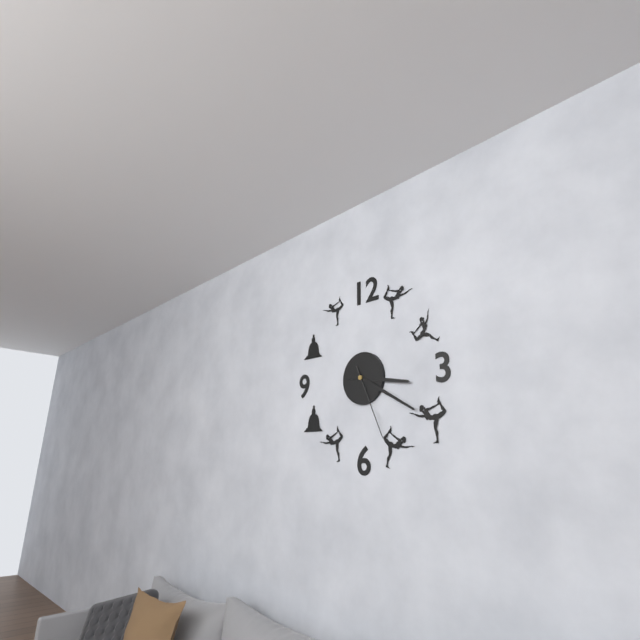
3.20.26
